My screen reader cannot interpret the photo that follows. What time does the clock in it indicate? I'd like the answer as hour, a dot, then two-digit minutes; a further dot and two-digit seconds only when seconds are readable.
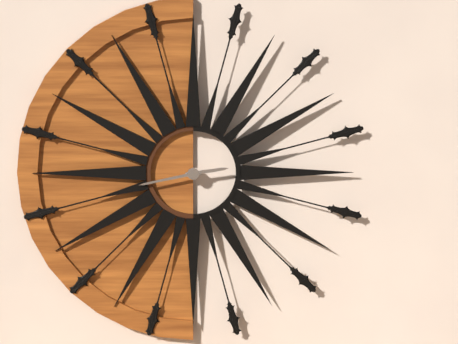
2.43
